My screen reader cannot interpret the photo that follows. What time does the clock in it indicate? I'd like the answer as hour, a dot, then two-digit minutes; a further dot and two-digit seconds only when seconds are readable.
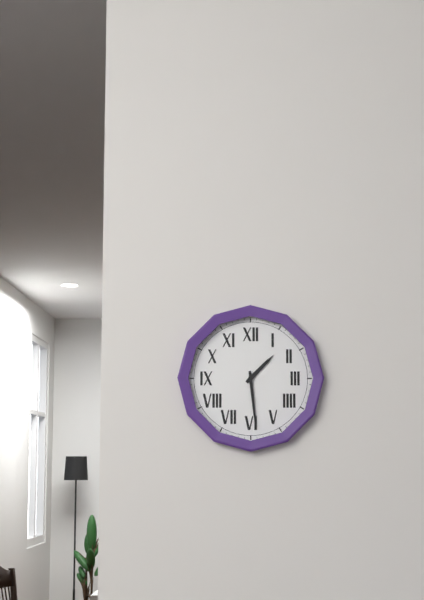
1.29
